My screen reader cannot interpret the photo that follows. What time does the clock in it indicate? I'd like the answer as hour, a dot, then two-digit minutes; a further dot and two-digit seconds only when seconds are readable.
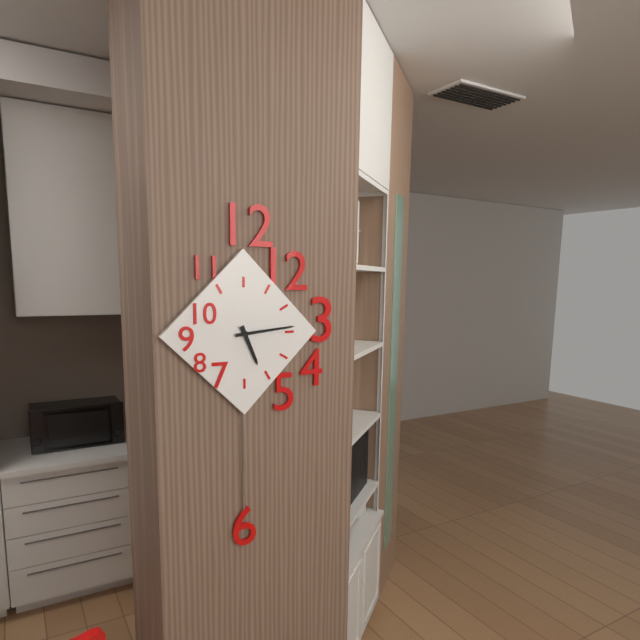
5.14
